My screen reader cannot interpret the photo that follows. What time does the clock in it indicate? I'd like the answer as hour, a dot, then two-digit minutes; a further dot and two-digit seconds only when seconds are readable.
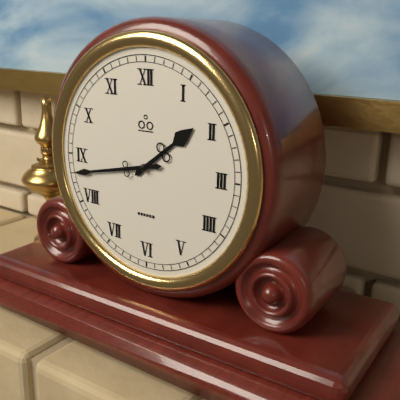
1.43
